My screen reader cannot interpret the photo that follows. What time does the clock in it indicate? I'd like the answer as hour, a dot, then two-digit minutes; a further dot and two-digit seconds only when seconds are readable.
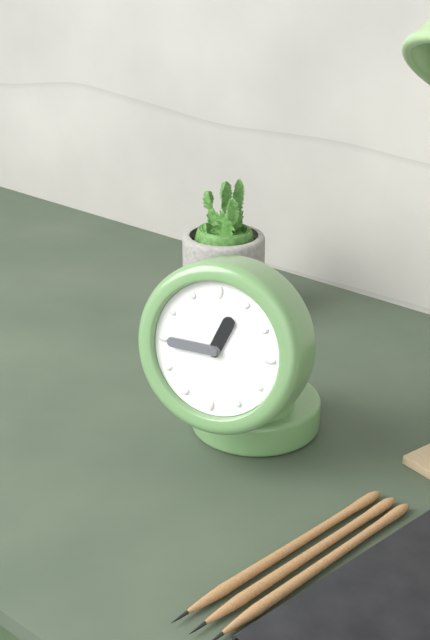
12.45
